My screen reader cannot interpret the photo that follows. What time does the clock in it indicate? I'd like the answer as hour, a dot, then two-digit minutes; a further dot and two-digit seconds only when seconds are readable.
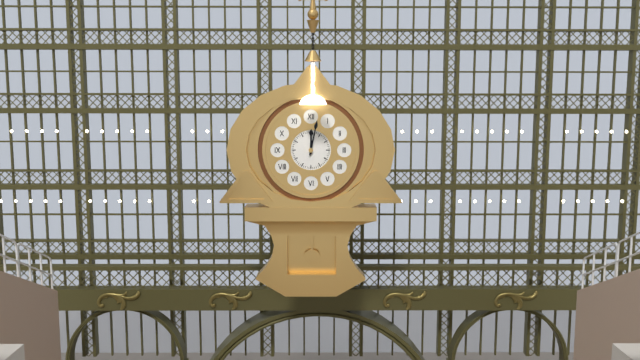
12.02
